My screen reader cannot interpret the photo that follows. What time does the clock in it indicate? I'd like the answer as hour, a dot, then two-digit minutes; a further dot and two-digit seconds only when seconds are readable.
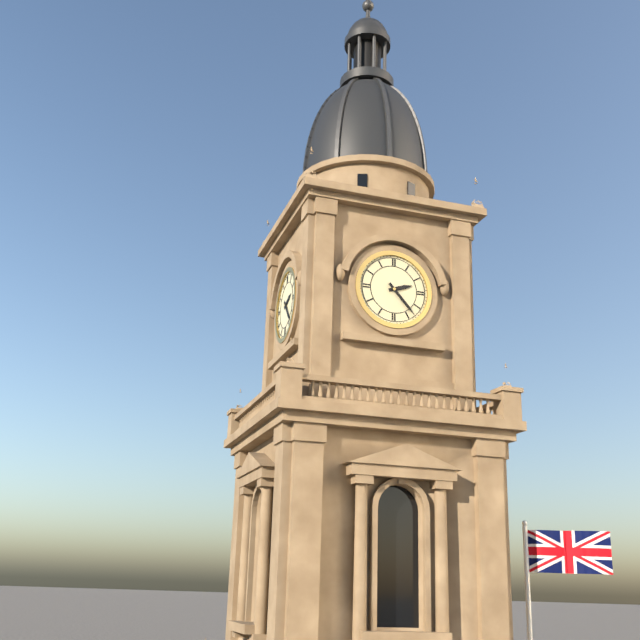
2.23
